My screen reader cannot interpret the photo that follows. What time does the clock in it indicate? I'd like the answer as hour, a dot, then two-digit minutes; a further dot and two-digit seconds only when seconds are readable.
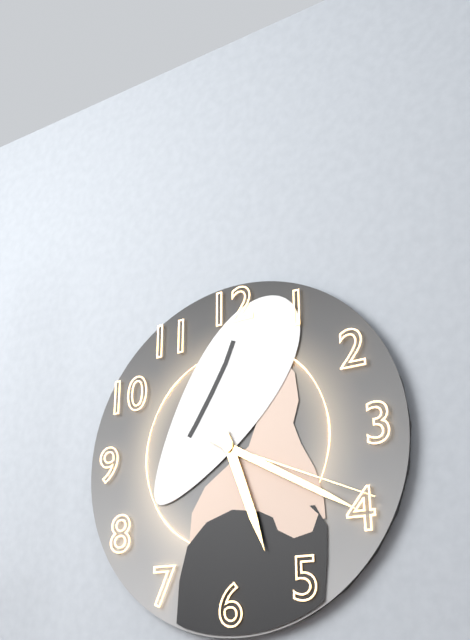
5.20.19
